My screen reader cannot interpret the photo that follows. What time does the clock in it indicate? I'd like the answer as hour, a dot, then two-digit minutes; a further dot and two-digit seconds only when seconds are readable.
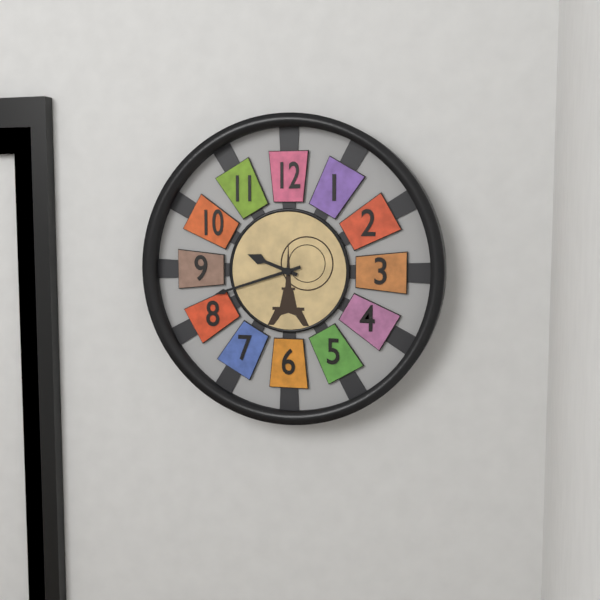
9.42
